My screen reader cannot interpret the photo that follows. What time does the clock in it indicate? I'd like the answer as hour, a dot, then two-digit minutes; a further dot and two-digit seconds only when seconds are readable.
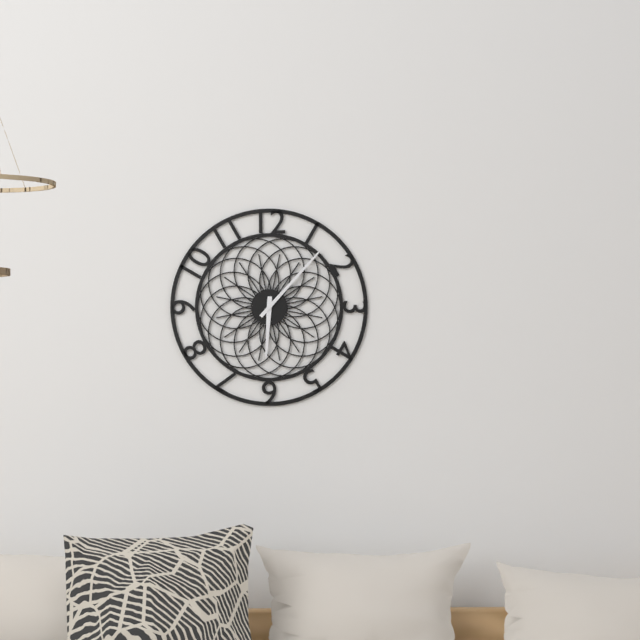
6.07
